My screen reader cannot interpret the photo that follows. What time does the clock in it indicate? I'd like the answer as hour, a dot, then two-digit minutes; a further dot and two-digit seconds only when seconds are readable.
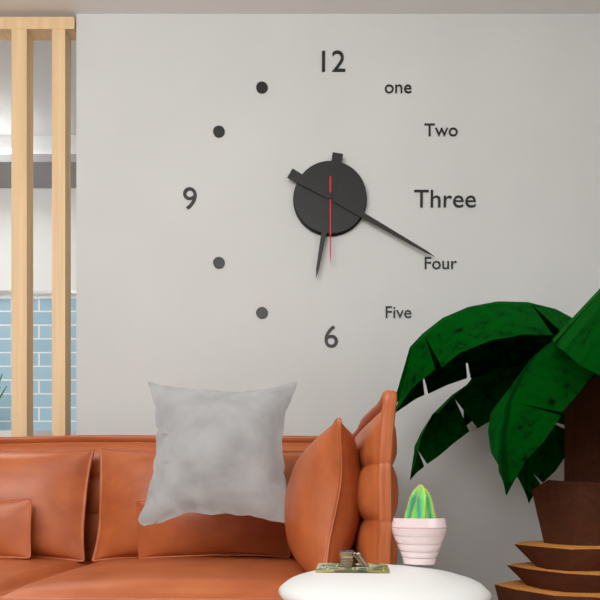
6.20.30
